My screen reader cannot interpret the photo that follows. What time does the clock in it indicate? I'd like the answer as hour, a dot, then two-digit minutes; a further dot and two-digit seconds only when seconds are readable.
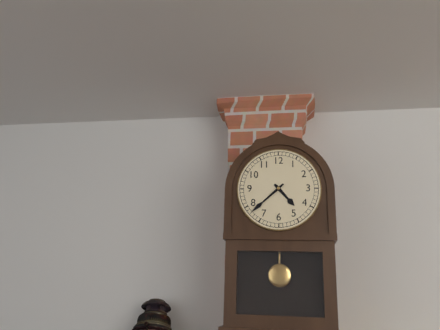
4.38
